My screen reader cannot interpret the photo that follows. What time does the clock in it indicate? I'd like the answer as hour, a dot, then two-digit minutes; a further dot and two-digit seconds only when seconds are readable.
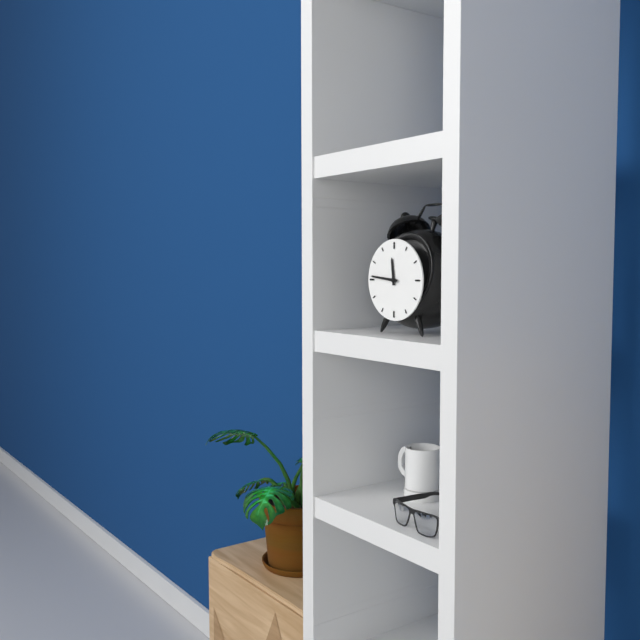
11.46
